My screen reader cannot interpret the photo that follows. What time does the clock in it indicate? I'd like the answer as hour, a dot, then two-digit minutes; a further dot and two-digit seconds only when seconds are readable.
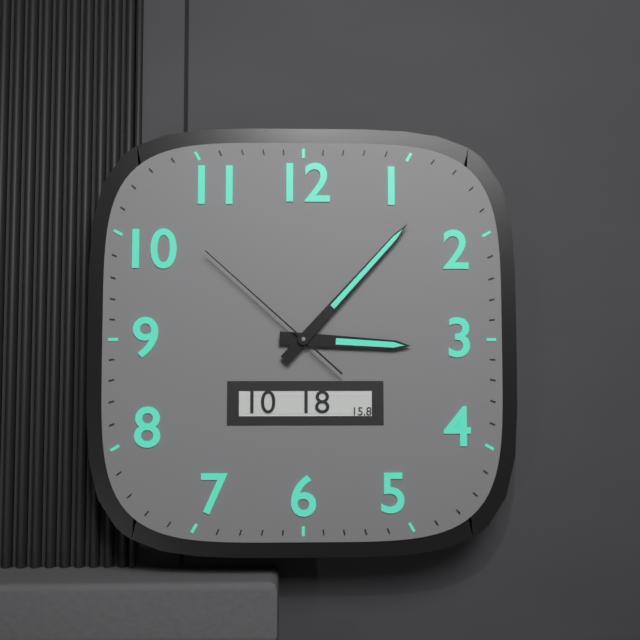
3.07.52
